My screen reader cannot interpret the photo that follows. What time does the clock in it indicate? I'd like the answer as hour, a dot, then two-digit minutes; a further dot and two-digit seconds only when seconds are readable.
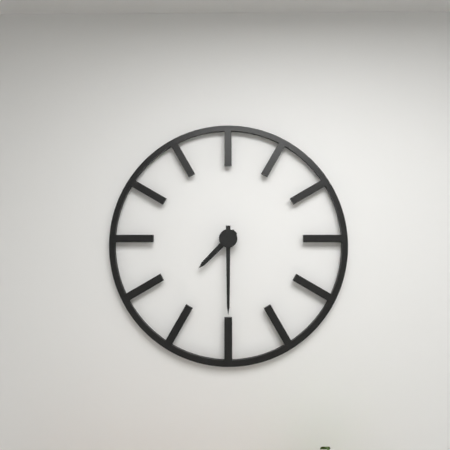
7.30
